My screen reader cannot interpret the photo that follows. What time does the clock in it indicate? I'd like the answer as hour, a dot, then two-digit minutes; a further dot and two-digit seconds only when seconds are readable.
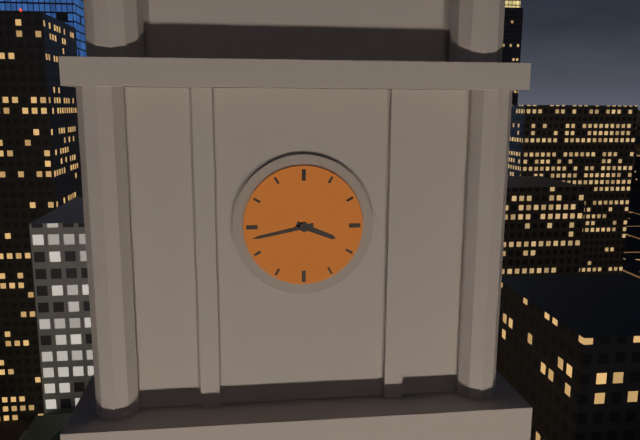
3.43
